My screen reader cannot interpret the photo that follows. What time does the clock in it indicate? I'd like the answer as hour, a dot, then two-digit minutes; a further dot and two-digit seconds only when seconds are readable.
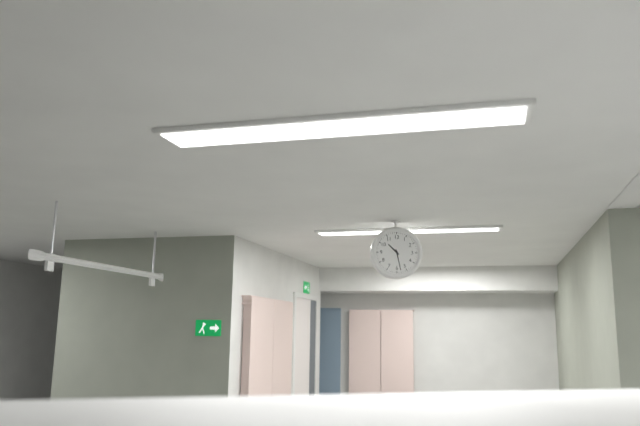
10.28
